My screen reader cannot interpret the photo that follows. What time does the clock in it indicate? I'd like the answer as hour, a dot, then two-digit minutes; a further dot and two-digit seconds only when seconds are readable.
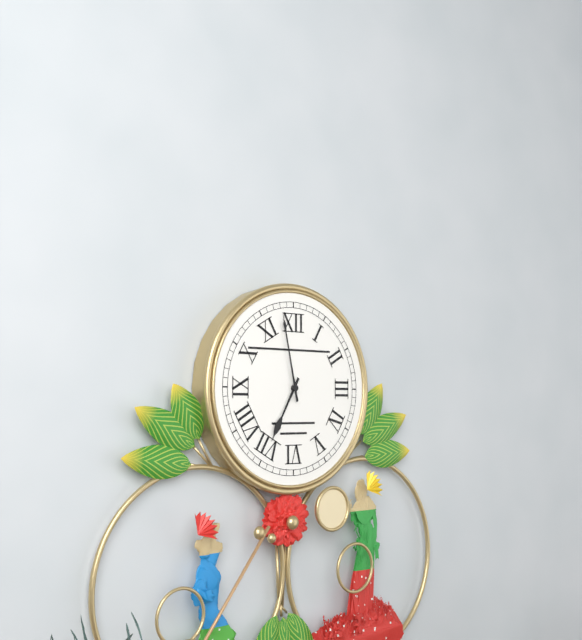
6.58
